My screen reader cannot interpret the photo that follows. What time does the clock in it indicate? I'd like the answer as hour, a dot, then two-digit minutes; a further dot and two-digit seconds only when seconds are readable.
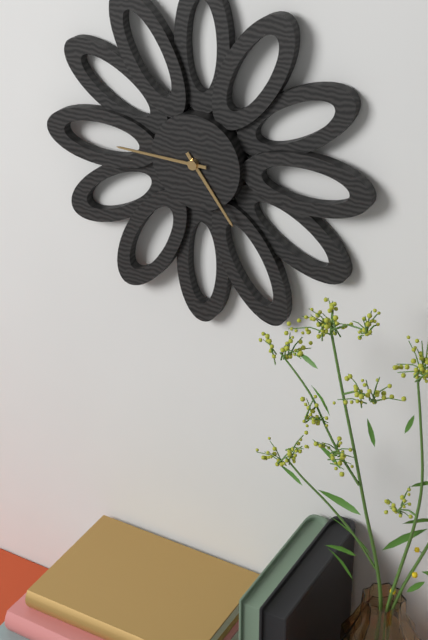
4.45
